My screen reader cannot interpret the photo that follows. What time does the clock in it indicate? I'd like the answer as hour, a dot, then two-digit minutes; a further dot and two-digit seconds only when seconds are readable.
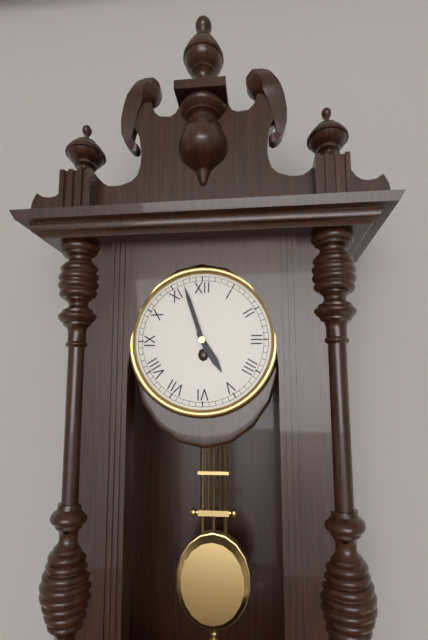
4.57
